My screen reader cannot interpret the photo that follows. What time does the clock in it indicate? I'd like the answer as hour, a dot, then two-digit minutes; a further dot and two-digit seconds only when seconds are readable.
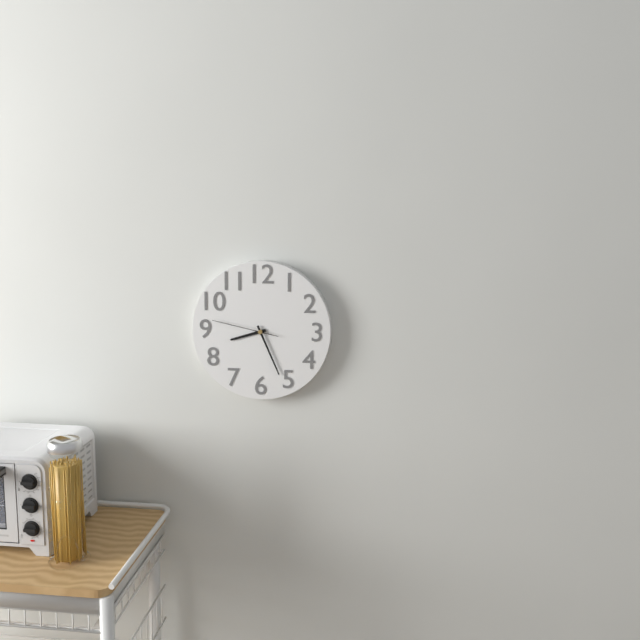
8.26.47
